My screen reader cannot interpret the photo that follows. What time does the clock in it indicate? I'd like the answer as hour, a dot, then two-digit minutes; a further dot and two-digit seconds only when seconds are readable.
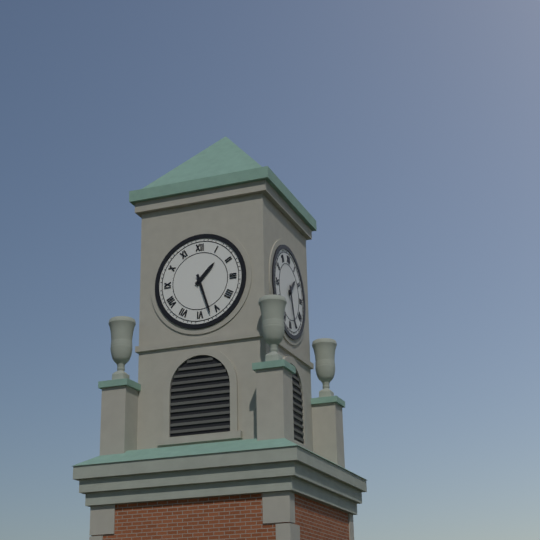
1.27
